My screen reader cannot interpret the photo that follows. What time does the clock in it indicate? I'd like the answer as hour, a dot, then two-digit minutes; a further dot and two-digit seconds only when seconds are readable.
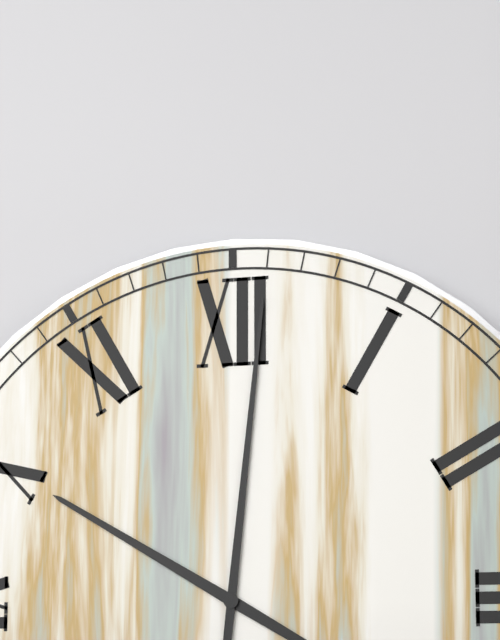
10.01
